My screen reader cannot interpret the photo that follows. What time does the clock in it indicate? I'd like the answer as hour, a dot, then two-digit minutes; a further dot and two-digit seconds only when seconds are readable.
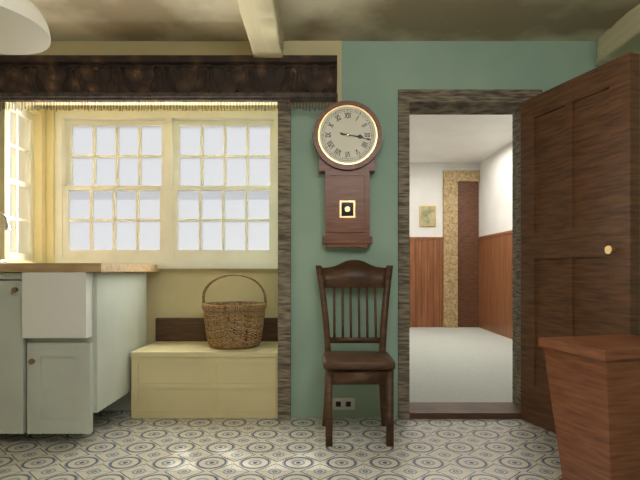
3.17
